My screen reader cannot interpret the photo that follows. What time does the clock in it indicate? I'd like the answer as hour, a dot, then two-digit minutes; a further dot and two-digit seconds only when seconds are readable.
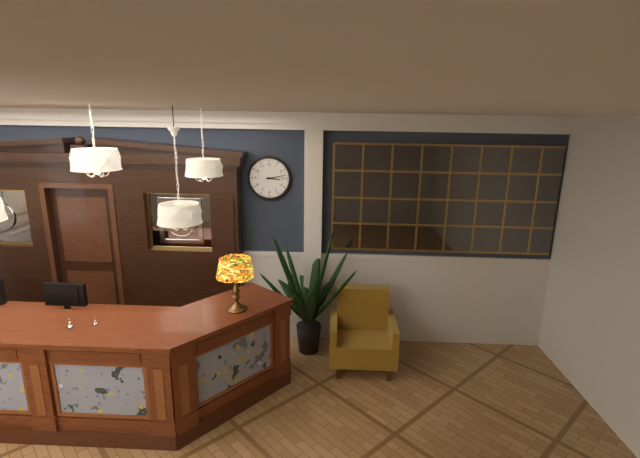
3.13
